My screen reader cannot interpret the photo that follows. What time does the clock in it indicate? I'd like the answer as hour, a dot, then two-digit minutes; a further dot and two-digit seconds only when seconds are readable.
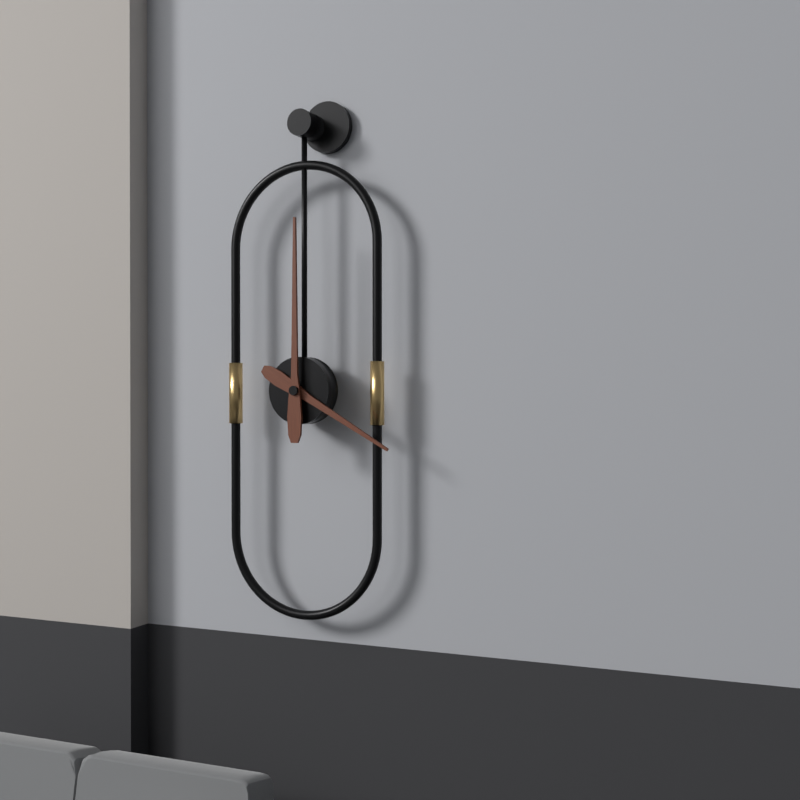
4.00
